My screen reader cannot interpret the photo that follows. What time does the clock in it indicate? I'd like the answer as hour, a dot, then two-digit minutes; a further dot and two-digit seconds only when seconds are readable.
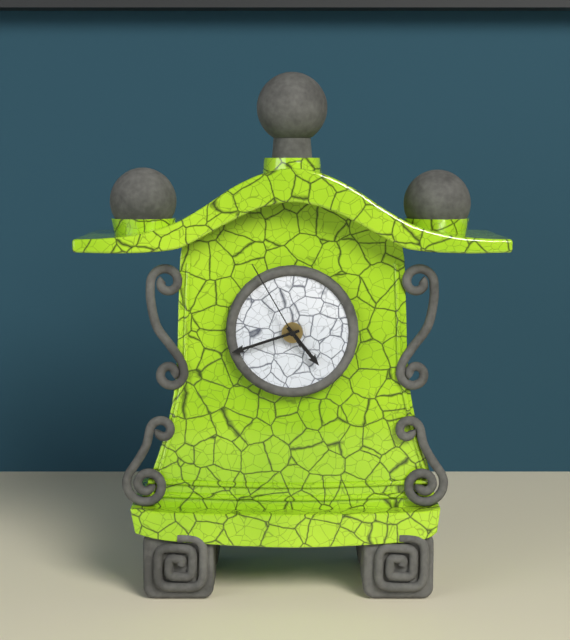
4.42.55
